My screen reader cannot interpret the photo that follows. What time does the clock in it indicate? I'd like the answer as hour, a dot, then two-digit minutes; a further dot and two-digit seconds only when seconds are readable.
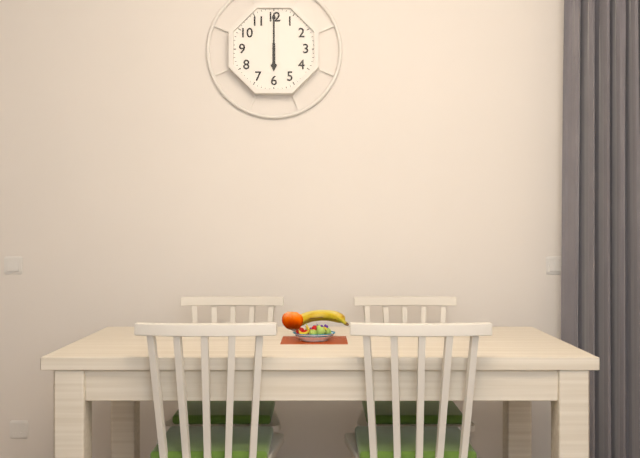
6.00
